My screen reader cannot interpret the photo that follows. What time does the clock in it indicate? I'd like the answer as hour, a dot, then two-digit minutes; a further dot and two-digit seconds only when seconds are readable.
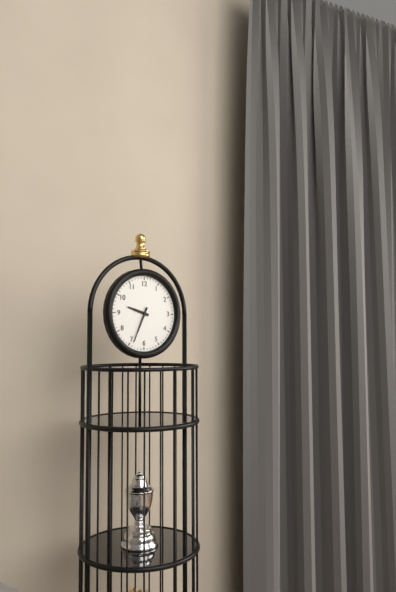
9.34
